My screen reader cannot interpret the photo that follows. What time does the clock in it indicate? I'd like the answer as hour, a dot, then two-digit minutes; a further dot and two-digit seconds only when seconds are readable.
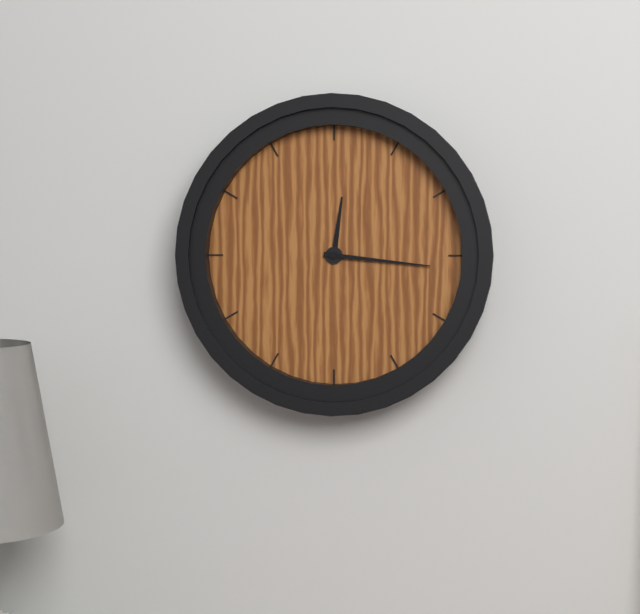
12.16
